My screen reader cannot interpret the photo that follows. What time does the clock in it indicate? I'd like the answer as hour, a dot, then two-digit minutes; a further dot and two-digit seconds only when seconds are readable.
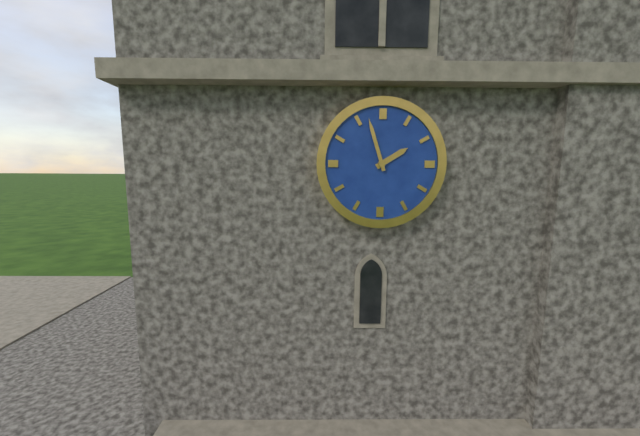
1.57
